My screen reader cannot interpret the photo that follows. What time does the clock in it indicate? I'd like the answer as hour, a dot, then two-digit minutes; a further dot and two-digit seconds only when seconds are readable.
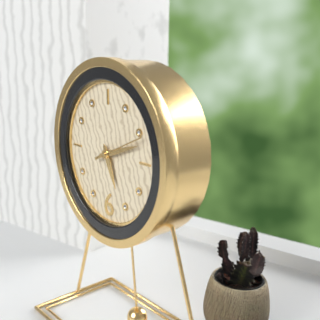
5.12
